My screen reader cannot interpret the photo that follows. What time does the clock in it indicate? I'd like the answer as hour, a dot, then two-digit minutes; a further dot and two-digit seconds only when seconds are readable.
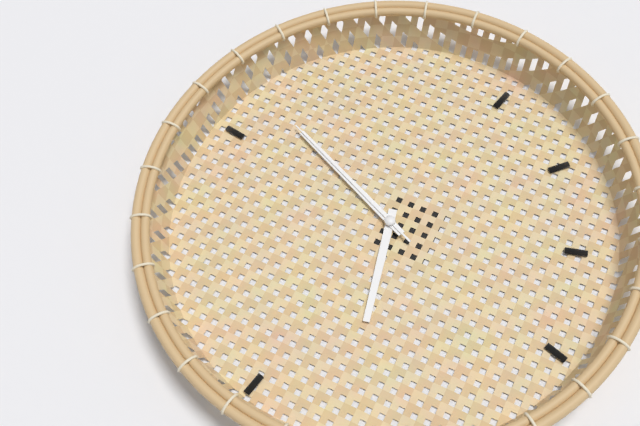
2.34.34
